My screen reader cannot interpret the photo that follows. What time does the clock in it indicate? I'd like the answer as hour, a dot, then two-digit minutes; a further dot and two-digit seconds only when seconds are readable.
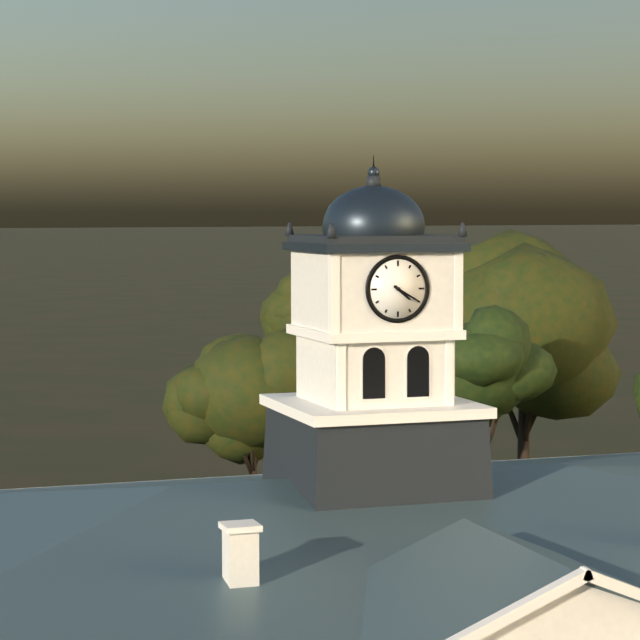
4.20
